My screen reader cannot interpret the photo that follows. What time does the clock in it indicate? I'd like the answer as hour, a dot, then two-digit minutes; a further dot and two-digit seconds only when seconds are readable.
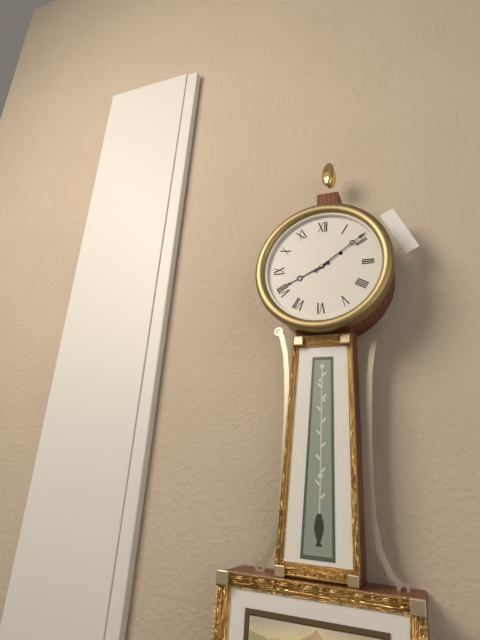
8.09
